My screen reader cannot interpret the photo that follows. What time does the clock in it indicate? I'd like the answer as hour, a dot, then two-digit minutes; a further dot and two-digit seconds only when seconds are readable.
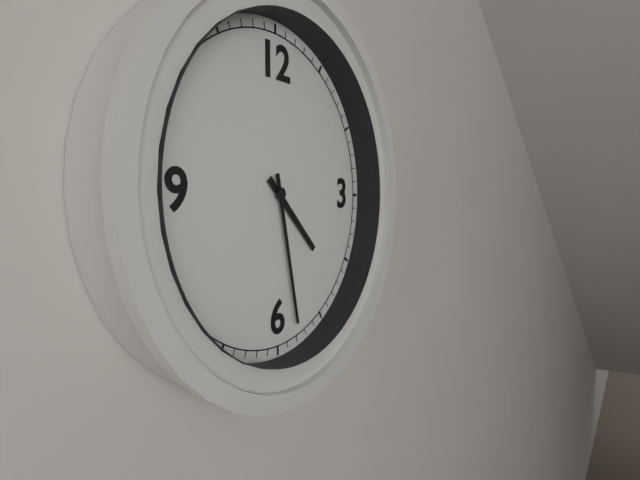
4.28
